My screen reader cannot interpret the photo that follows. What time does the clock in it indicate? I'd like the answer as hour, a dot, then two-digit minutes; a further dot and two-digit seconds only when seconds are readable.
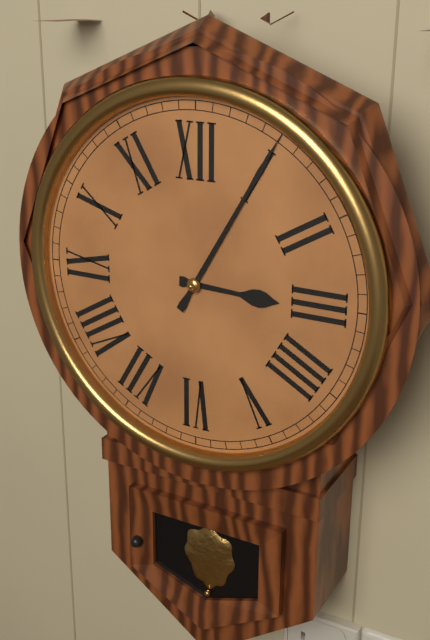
3.05
